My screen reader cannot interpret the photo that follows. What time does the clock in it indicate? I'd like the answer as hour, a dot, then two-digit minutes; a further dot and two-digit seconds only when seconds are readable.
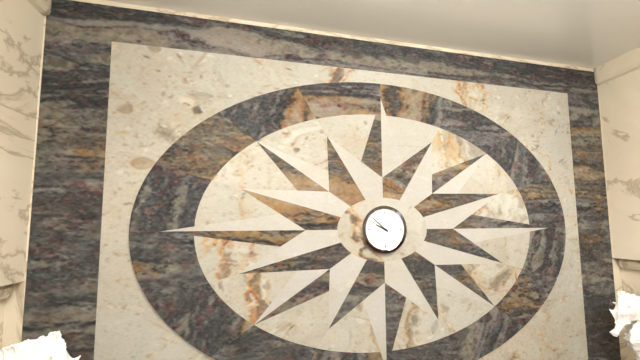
9.52
